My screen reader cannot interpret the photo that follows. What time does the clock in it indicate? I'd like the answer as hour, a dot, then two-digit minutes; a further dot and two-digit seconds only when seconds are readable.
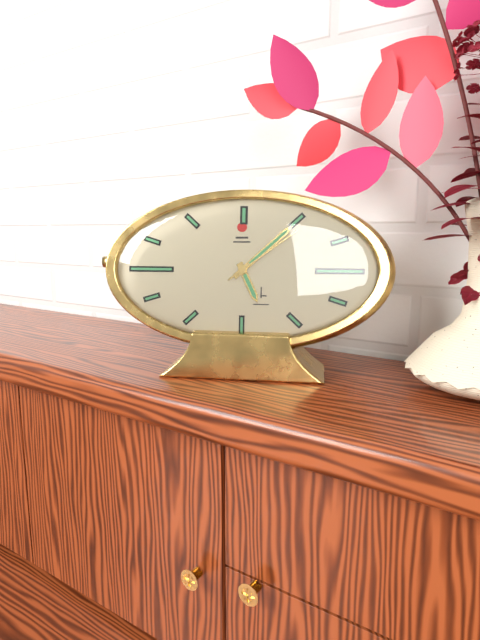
5.08.09
